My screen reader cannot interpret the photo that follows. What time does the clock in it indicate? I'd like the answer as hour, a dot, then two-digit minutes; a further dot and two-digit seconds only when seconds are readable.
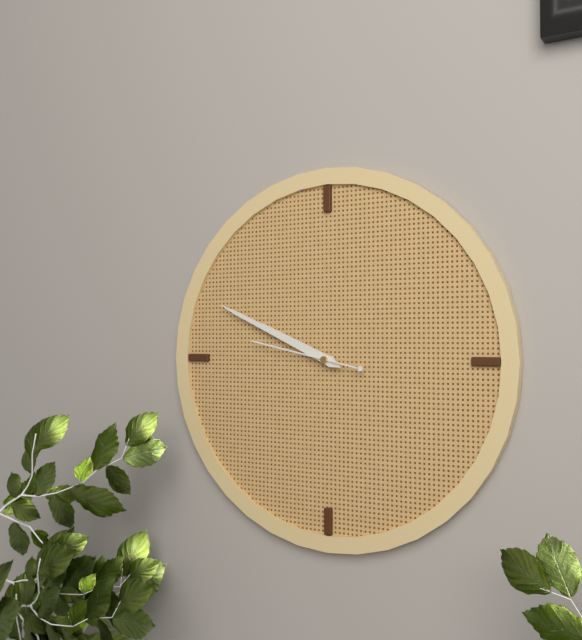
9.49.47
